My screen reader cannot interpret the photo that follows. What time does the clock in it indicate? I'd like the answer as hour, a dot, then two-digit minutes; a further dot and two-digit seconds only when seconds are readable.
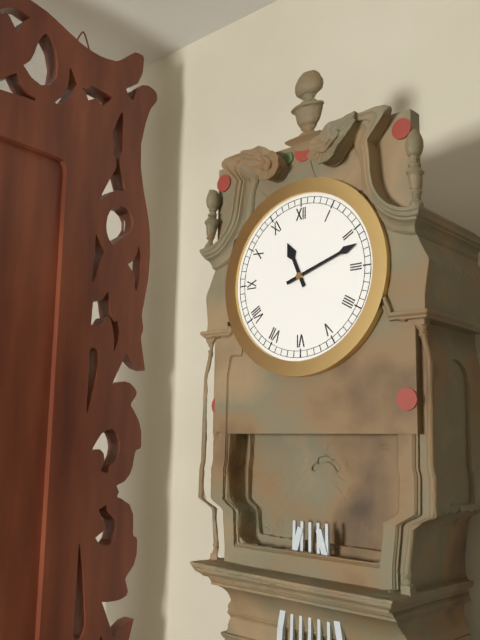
11.12
